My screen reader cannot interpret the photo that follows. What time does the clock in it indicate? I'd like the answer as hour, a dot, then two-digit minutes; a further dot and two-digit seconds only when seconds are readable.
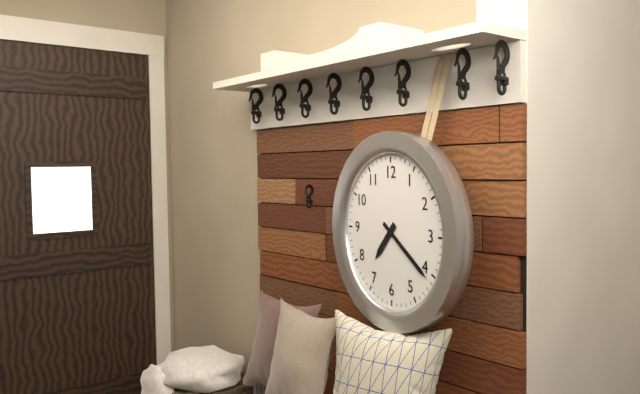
7.21
